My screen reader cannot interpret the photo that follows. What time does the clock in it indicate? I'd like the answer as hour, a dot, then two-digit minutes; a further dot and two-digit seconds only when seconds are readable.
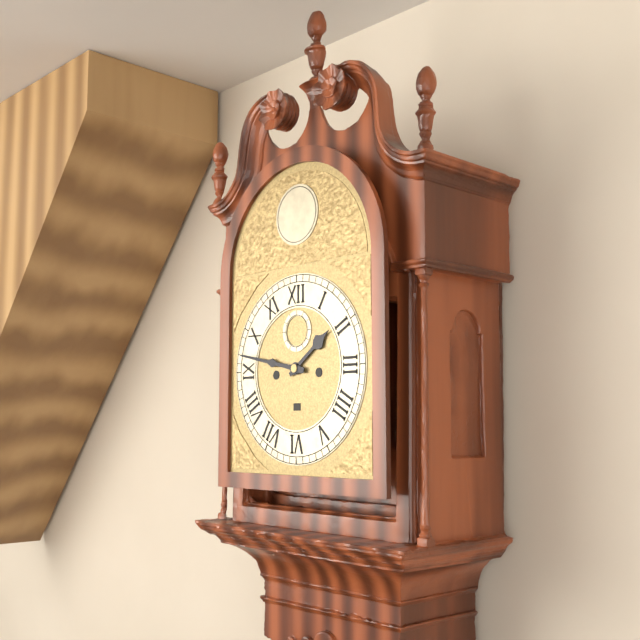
1.47
